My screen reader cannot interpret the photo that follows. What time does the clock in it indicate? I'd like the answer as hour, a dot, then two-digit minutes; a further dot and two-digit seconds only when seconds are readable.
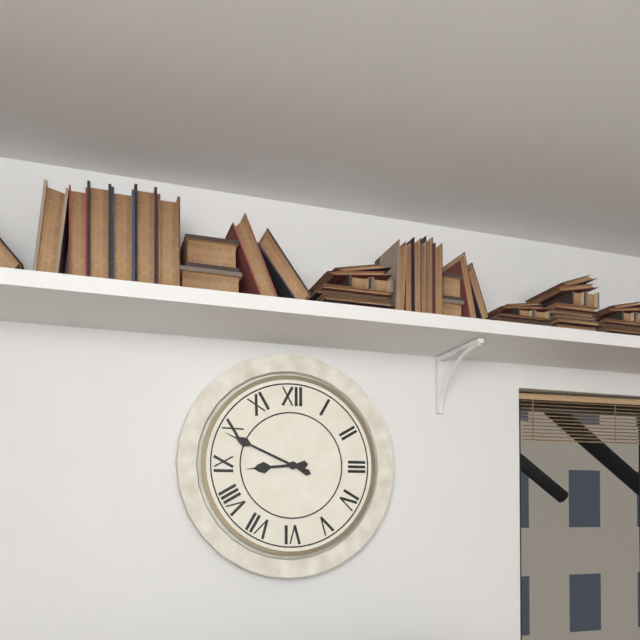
8.49
